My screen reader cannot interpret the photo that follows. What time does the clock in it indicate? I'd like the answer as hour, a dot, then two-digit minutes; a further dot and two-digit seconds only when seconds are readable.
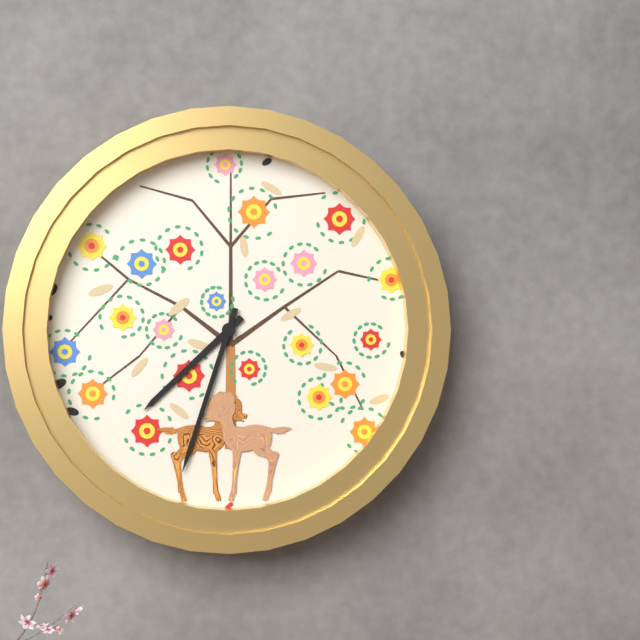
7.33
